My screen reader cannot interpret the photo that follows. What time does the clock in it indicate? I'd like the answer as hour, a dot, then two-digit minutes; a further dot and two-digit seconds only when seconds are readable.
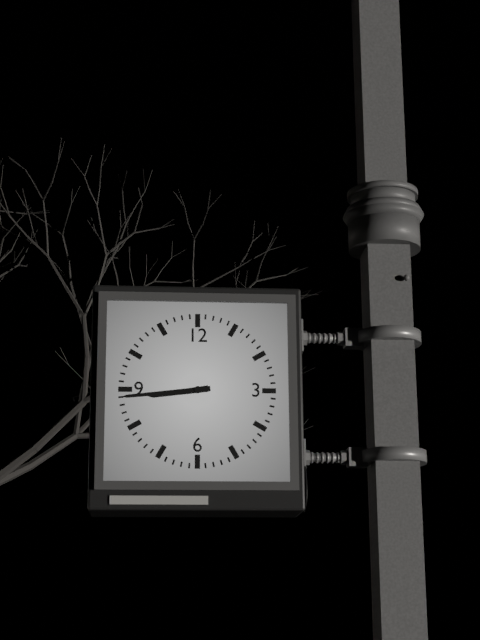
8.44
